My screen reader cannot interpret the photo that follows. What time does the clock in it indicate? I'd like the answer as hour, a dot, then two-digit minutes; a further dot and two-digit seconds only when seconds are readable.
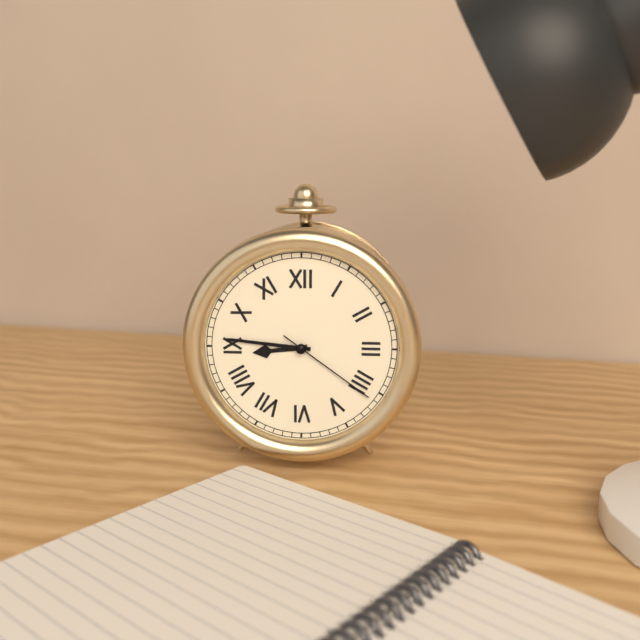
8.46.21
